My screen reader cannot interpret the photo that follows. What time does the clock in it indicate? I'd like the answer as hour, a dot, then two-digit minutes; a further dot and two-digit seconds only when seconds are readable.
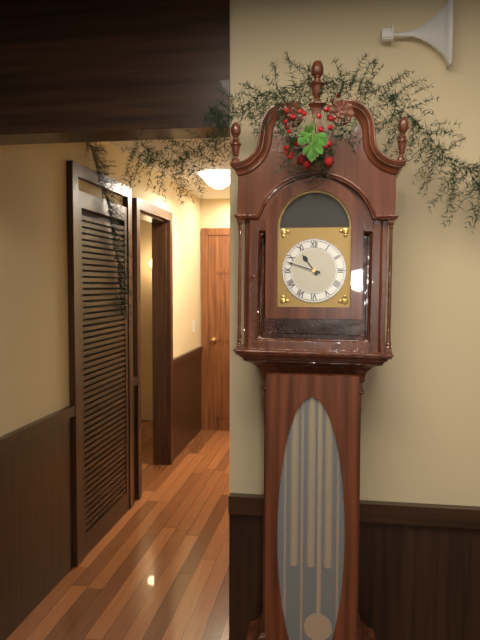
10.48
